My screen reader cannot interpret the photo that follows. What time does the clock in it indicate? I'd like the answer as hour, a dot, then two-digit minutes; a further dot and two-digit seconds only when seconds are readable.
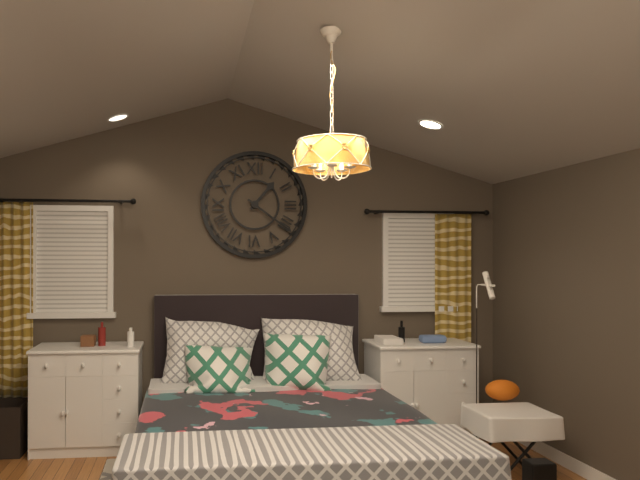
1.21
